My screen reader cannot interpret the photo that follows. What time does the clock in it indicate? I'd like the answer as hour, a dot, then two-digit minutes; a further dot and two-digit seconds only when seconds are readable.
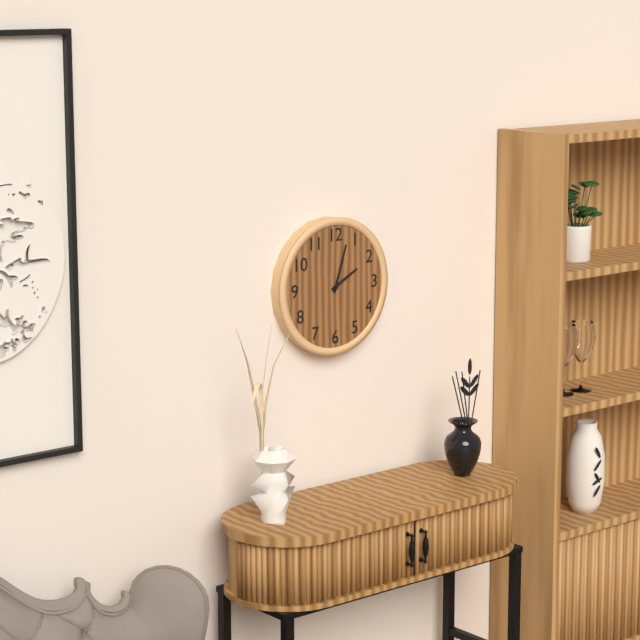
2.03
